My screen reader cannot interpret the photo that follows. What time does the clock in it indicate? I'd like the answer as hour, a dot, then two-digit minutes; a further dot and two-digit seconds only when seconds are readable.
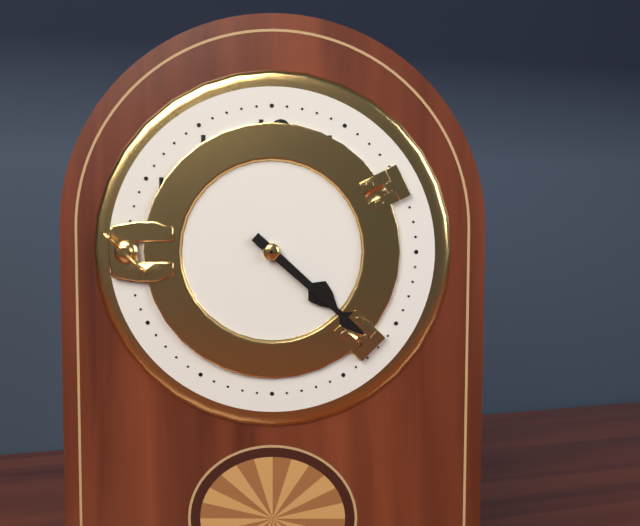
4.22
